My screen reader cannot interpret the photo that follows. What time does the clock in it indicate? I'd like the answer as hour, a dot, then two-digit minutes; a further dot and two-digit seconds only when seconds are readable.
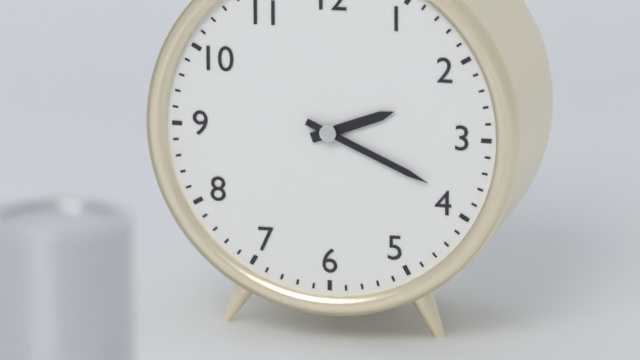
2.19
